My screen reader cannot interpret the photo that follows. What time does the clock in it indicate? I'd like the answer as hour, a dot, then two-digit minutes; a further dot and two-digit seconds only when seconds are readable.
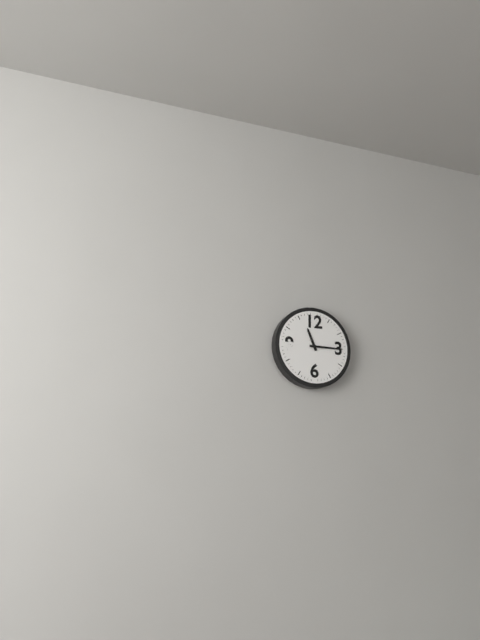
11.15
